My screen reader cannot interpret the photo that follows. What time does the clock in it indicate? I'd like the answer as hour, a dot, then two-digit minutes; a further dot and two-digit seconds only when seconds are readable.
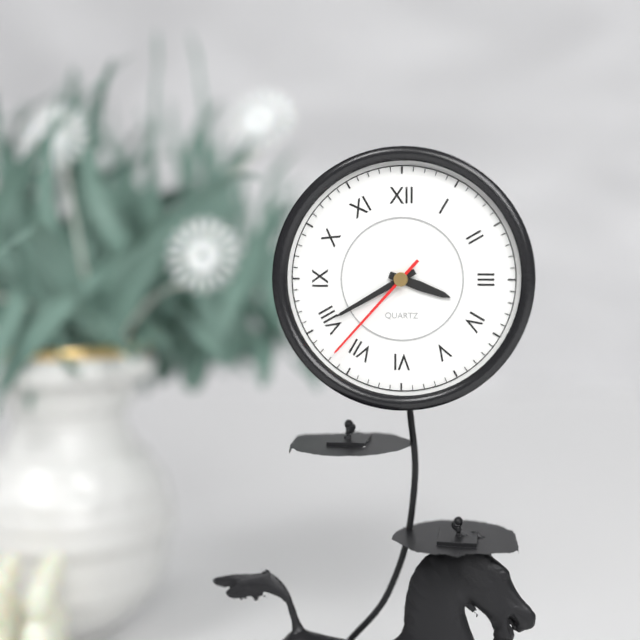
3.40.37
